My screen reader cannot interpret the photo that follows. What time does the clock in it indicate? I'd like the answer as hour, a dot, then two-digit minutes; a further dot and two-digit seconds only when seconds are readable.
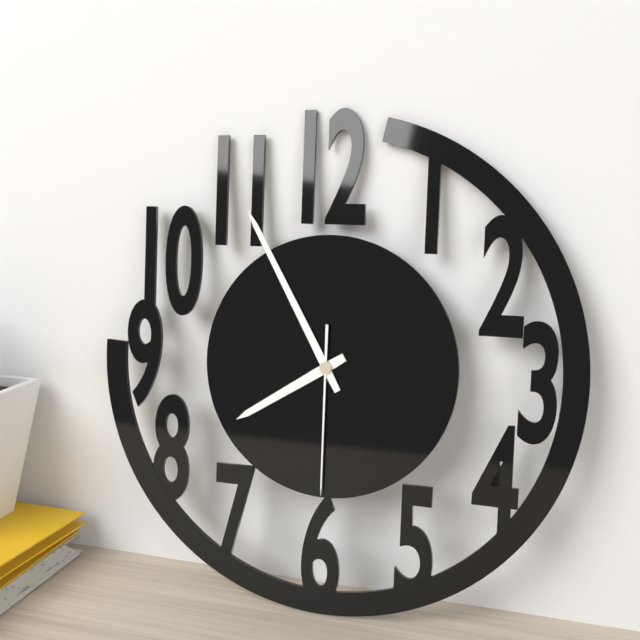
7.55.30
